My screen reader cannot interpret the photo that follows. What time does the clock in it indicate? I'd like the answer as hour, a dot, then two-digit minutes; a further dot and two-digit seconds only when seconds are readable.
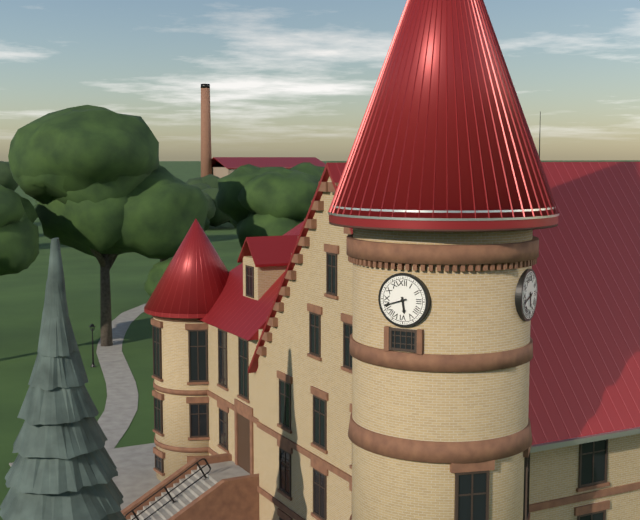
5.42
